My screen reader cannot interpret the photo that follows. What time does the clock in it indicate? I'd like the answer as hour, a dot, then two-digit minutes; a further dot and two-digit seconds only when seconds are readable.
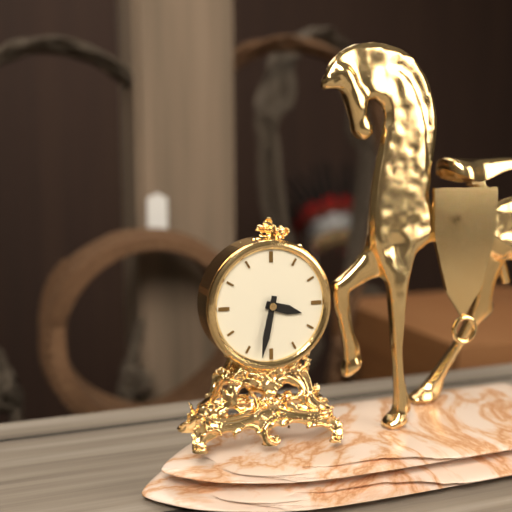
3.32
